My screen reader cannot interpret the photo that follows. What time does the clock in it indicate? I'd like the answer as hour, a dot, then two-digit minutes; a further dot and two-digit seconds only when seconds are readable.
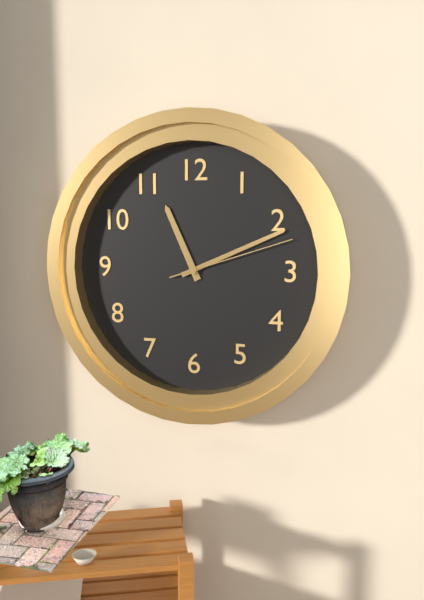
11.11.12
